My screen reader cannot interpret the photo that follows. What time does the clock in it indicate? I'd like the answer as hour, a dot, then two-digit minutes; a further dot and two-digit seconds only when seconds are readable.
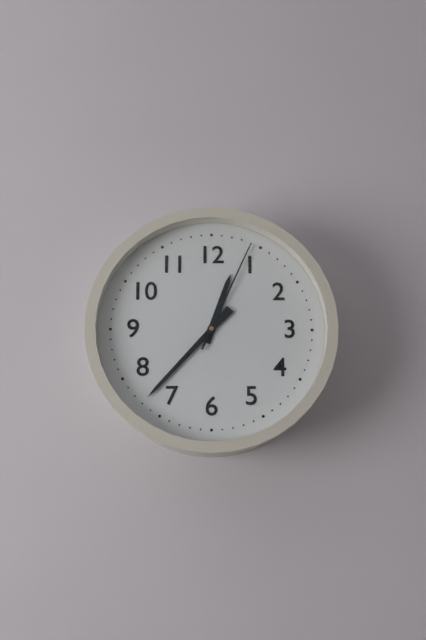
12.37.04
